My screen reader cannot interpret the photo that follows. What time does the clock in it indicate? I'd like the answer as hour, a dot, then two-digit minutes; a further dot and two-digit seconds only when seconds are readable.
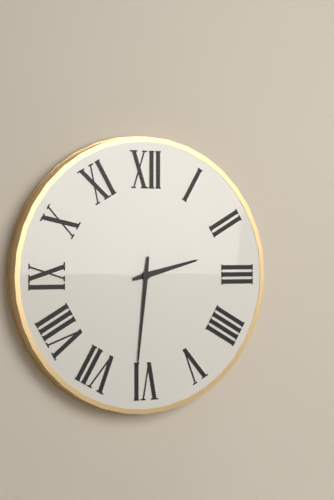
2.31
